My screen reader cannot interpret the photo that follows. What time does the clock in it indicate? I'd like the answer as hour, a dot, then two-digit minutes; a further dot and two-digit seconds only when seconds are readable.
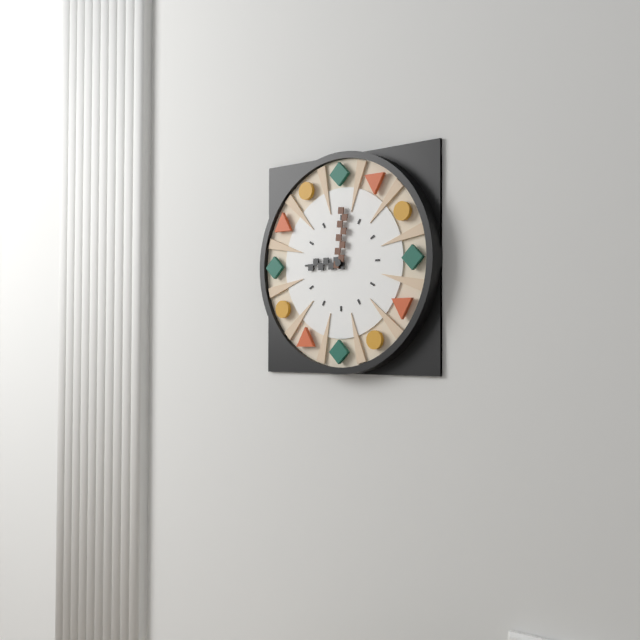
9.01
